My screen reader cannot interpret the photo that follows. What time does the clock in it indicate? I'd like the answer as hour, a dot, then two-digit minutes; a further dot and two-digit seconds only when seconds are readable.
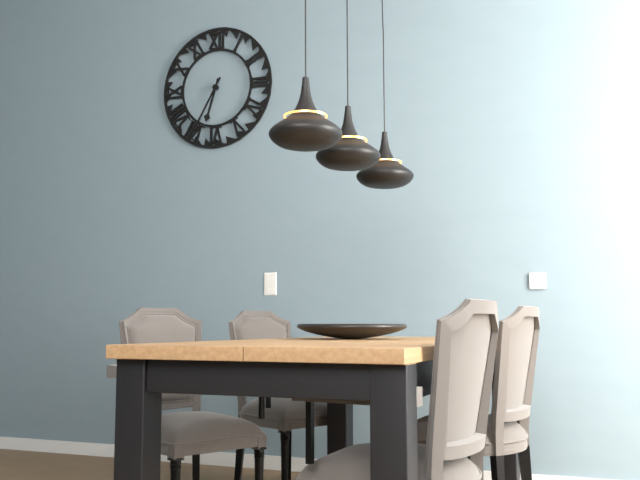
6.35
